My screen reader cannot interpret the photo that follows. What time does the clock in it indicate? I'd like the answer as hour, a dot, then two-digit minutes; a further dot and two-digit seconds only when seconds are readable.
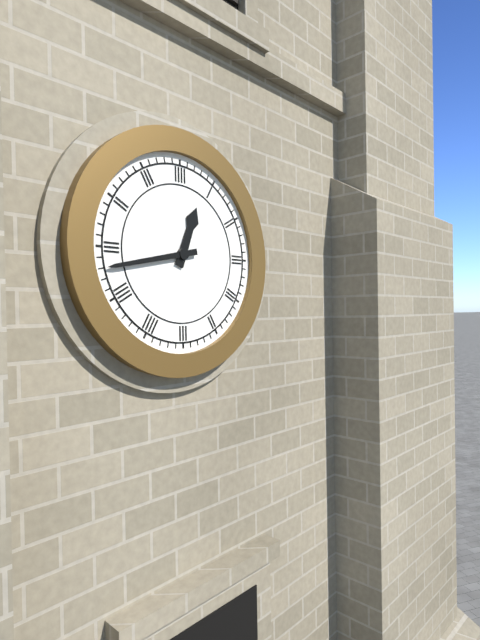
12.43
